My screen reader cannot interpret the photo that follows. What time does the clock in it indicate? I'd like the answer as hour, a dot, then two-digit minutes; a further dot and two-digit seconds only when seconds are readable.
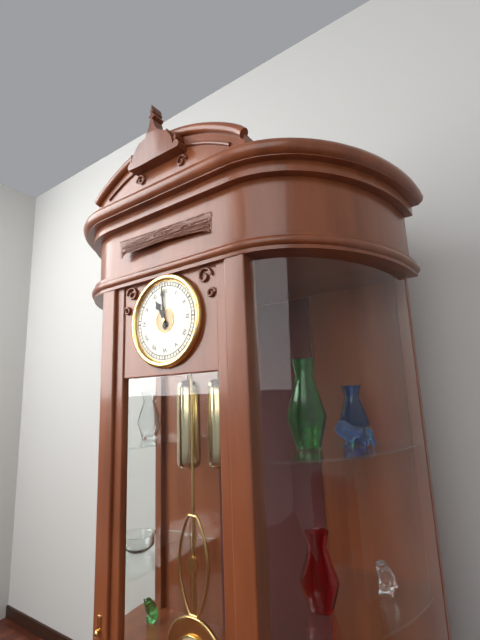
10.59
